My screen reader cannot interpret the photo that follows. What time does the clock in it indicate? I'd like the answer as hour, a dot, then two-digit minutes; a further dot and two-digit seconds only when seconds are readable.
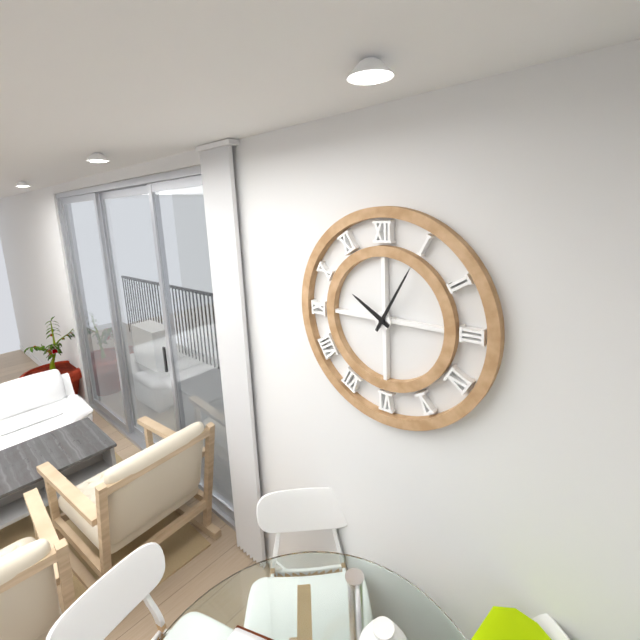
10.05
